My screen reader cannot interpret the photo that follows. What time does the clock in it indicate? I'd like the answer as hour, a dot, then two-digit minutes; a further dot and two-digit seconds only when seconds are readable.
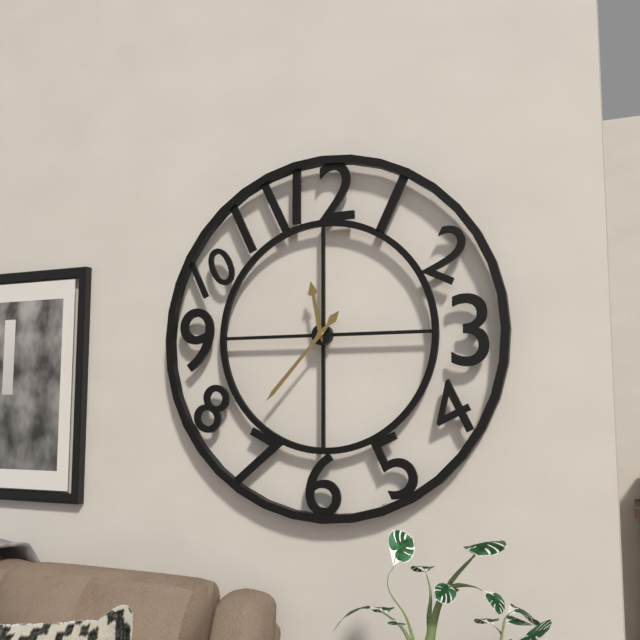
11.37
